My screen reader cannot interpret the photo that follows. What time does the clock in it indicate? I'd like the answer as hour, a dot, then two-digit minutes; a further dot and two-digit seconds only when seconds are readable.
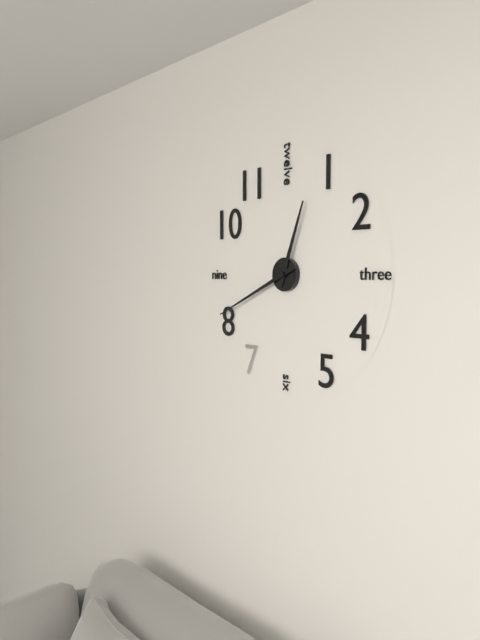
12.41
